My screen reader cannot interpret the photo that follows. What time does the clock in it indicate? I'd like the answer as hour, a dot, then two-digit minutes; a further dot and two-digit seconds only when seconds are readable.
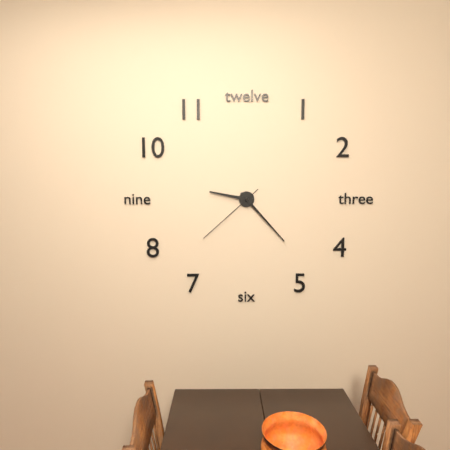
9.23.38
